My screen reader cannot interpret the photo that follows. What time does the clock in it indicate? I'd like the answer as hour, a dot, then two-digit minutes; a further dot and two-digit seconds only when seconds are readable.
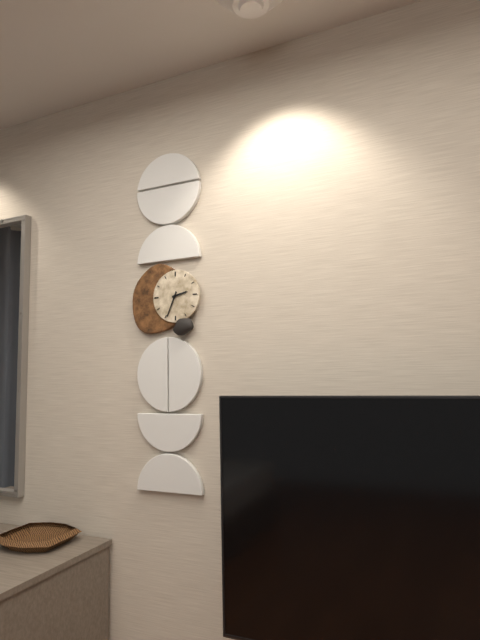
2.34
